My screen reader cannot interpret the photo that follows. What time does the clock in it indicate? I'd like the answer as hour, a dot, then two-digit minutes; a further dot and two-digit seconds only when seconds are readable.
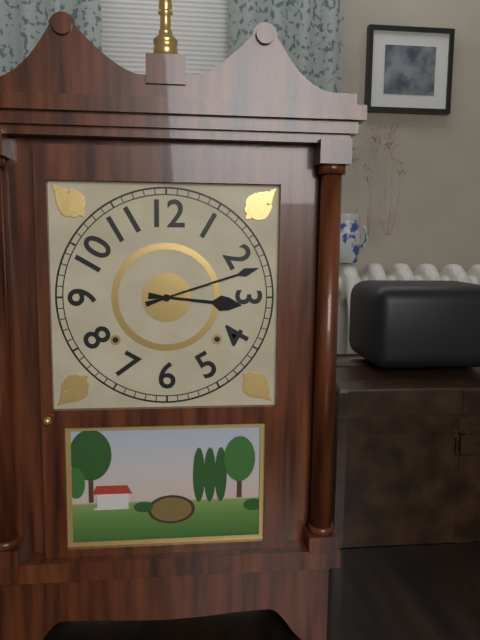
3.12
